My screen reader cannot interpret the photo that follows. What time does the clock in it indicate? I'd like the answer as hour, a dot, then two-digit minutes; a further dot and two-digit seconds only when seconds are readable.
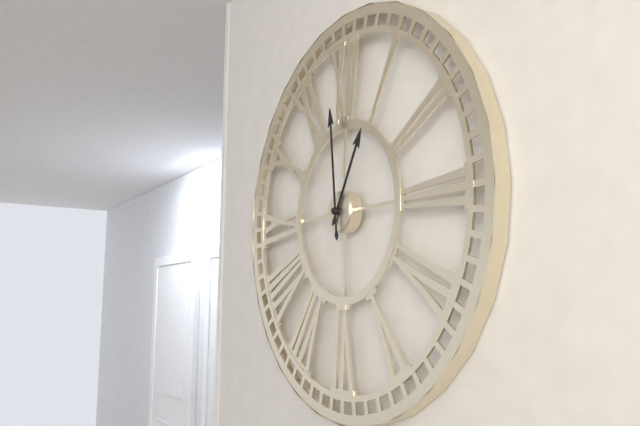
12.59
